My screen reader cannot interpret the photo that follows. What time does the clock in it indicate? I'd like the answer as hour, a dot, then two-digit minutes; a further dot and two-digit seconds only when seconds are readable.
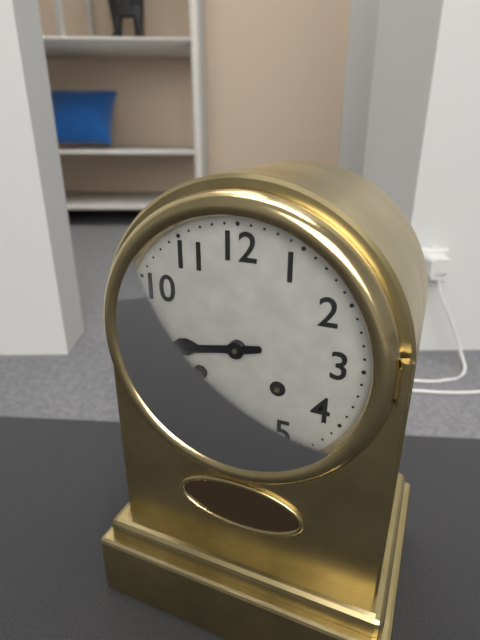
8.43
